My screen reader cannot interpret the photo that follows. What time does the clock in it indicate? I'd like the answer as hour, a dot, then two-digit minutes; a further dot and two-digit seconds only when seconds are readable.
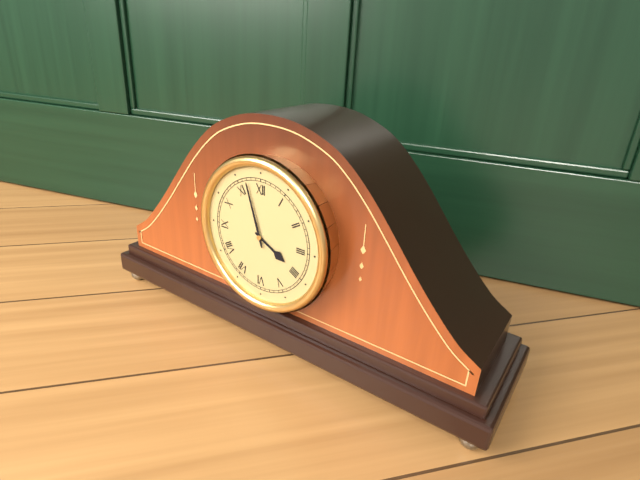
3.57
